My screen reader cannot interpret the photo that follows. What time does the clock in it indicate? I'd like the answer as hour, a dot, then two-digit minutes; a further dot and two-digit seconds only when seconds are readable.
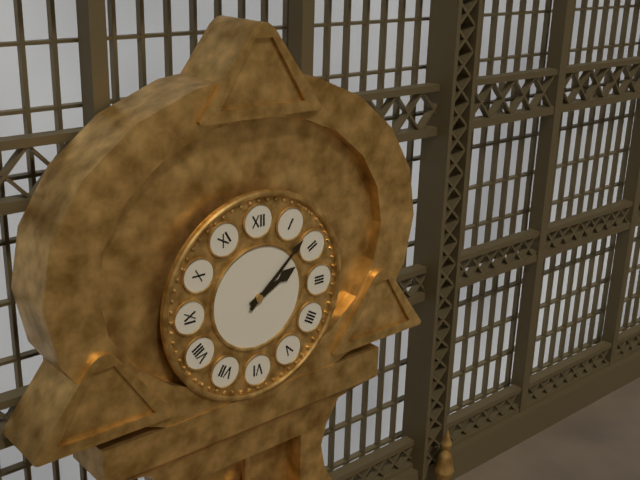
2.08
